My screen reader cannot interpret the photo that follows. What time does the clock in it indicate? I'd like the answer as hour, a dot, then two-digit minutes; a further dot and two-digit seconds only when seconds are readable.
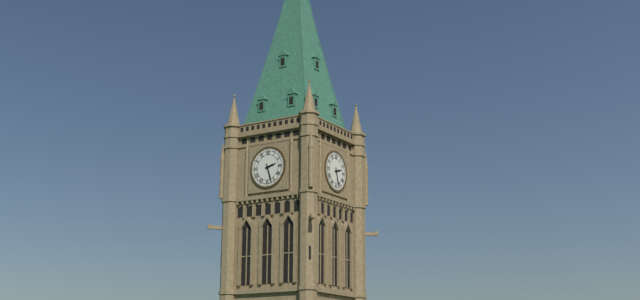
2.27
